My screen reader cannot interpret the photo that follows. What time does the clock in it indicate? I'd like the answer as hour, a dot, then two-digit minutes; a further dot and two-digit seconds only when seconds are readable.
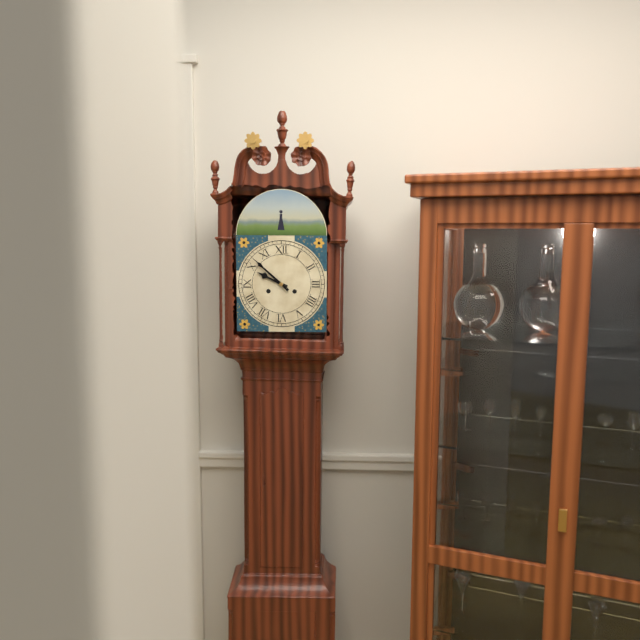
9.52
